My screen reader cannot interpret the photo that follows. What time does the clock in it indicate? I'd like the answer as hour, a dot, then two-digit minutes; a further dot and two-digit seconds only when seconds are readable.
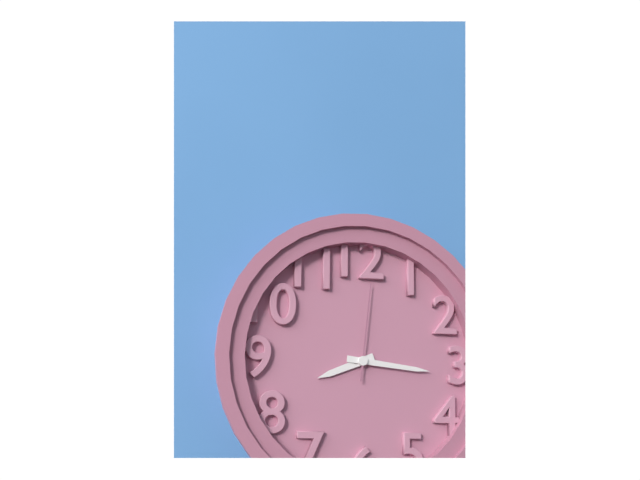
8.16.01
